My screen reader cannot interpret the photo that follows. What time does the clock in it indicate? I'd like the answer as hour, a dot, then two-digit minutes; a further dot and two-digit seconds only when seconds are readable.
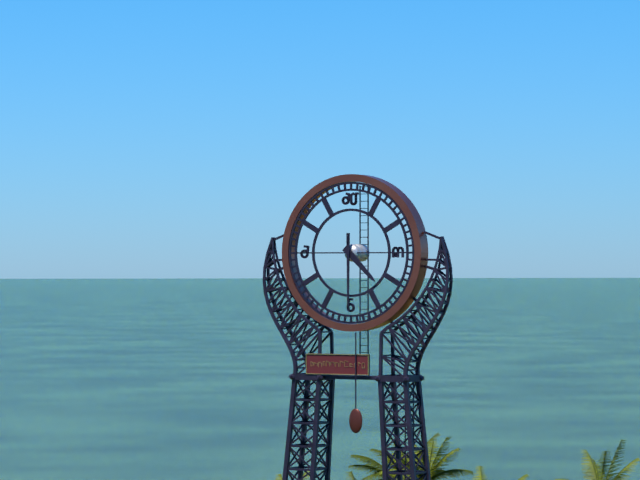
4.30
